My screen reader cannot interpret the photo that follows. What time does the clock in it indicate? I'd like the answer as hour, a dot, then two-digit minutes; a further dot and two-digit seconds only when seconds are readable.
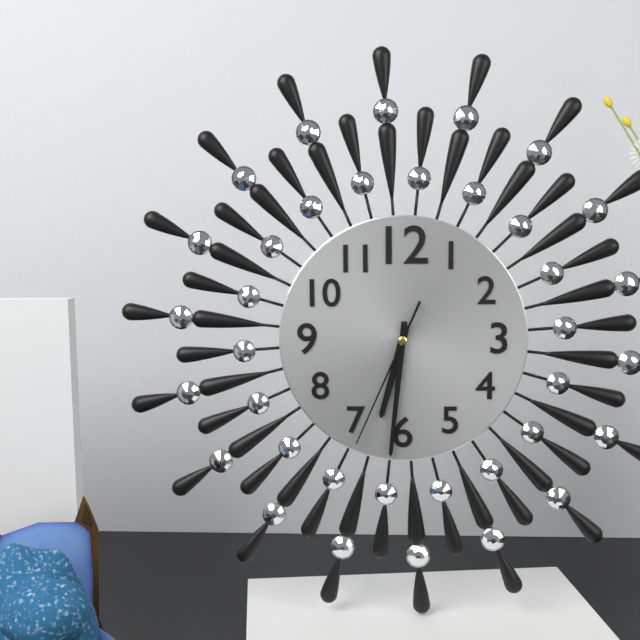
6.31.34
